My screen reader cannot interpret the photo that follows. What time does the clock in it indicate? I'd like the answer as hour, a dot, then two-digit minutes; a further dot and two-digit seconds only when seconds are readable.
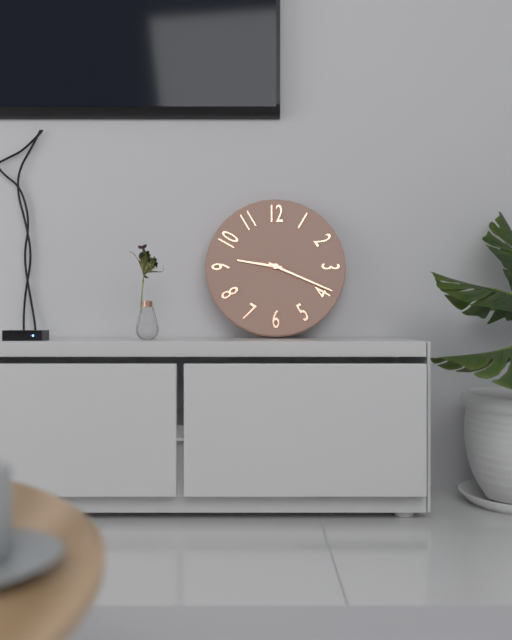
9.19
